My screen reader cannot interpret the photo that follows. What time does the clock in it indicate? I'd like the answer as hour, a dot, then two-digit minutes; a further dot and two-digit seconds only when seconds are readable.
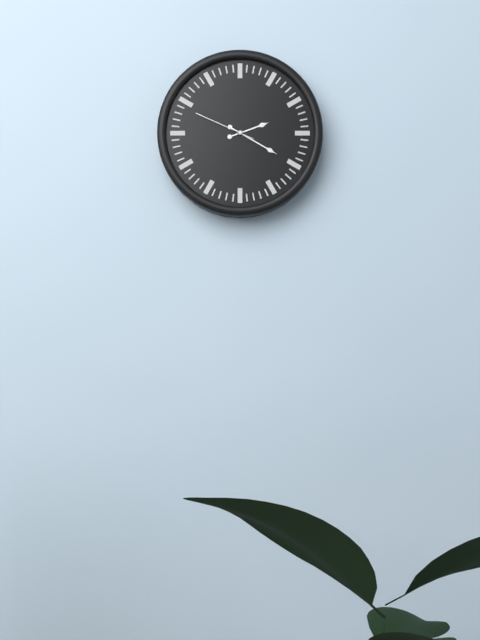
2.20.49
